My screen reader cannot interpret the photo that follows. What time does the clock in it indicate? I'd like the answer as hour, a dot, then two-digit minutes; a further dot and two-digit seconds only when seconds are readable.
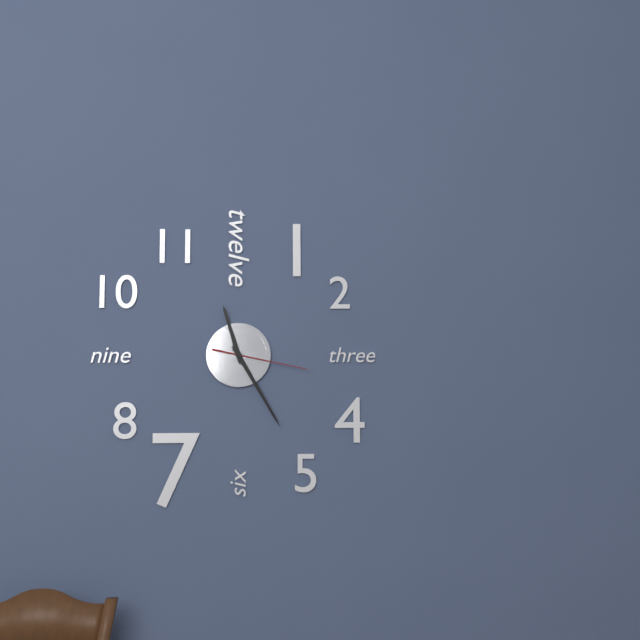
11.25.17
